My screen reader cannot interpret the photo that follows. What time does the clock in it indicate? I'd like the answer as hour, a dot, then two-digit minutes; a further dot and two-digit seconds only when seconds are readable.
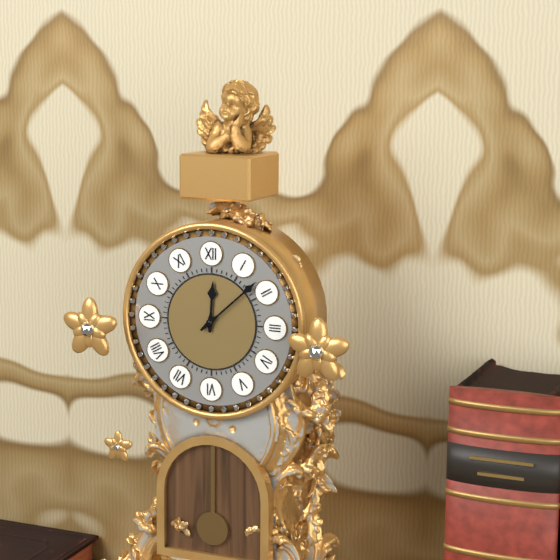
12.08
